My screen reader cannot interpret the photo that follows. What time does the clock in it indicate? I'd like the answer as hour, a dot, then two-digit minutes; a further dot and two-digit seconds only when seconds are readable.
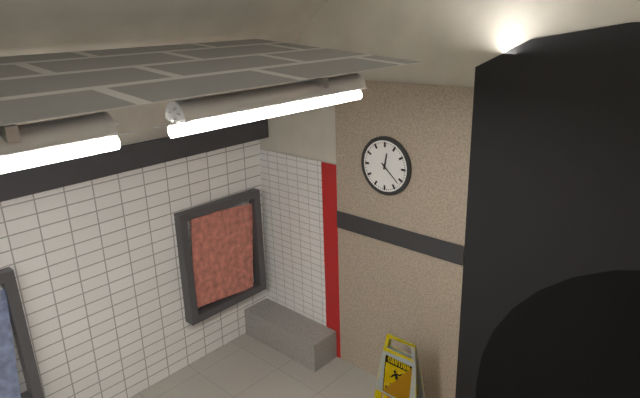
12.22
